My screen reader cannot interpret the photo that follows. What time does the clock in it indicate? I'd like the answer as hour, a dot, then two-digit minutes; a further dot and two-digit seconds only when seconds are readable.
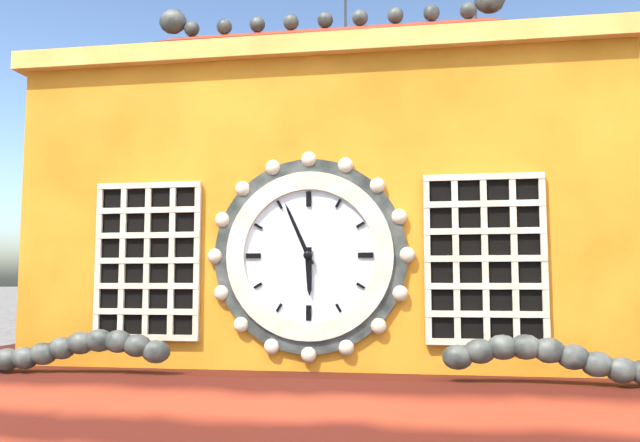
5.56
